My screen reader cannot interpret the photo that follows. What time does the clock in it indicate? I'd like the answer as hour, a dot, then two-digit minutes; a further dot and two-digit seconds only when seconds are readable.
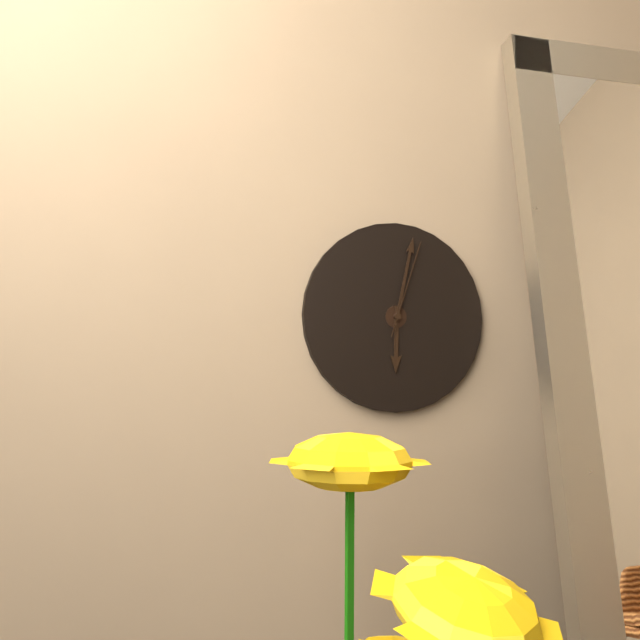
6.02.03
